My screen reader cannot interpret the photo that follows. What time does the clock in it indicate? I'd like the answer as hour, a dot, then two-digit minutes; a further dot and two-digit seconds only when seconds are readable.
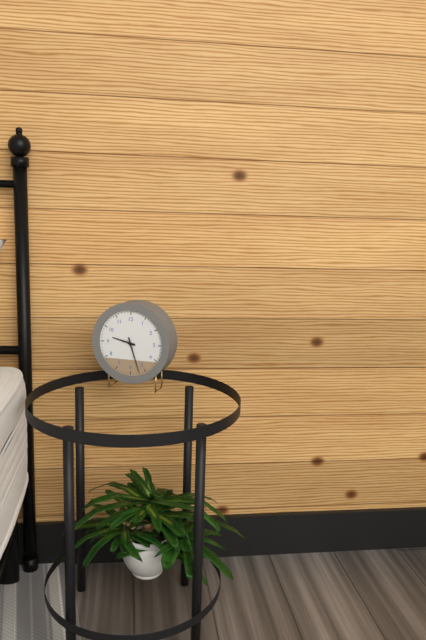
9.27
